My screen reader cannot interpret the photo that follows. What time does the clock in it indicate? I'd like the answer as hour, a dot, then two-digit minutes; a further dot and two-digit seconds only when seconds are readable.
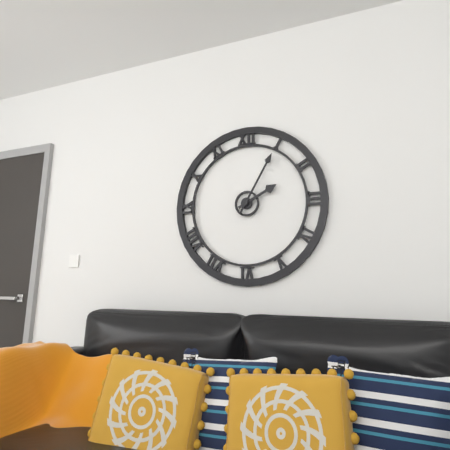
2.05
